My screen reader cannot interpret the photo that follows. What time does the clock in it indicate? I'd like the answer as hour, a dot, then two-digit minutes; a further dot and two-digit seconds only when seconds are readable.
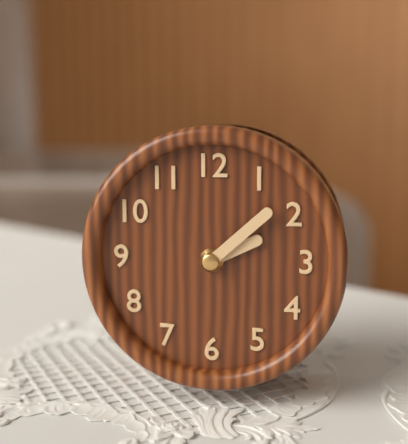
2.08
